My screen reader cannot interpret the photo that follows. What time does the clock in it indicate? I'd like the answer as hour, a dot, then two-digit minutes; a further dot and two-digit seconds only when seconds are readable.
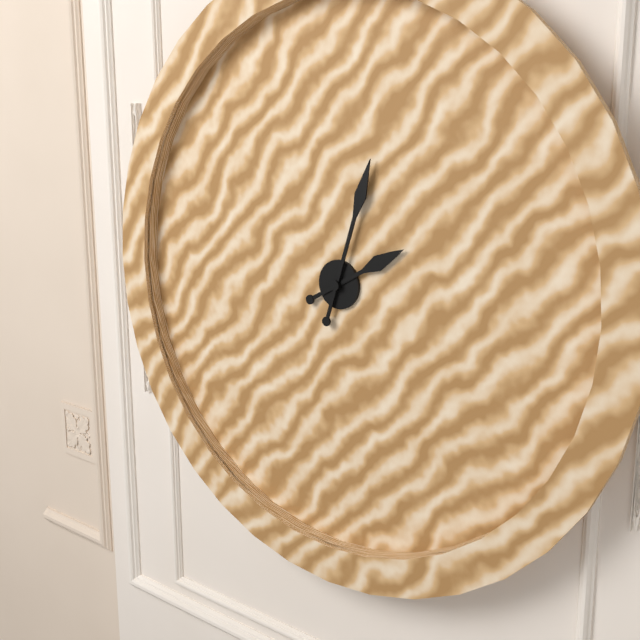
2.03
